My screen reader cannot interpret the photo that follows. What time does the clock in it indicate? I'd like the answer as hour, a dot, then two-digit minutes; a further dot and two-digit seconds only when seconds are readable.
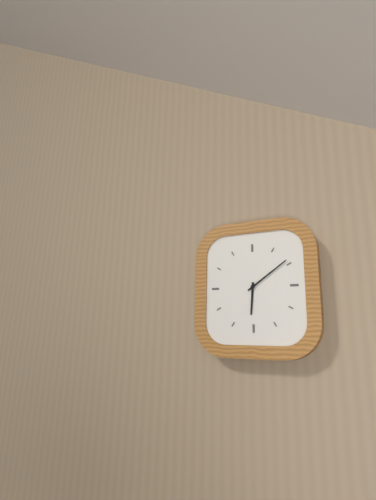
6.09
